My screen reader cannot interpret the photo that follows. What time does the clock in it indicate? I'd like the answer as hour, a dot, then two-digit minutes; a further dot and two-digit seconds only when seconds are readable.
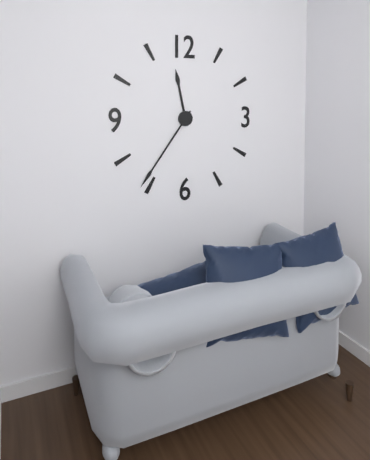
11.36
